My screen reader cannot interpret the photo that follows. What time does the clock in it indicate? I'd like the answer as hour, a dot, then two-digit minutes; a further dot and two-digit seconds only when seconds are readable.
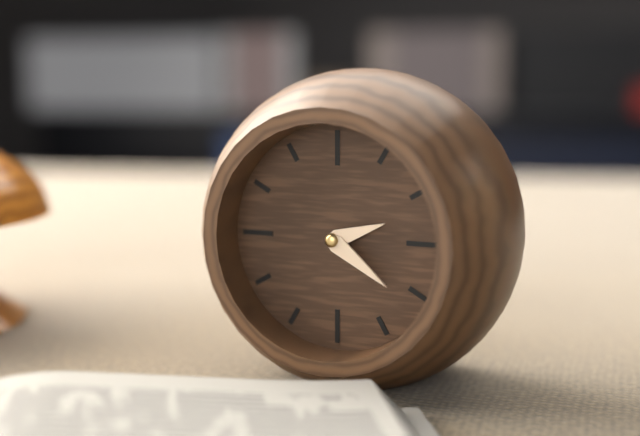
2.21
